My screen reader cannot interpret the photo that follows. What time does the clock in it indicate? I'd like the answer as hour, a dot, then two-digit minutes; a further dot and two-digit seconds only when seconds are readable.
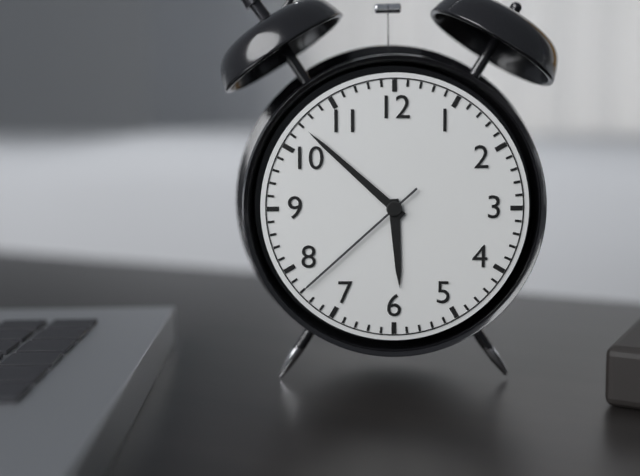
5.52.38
